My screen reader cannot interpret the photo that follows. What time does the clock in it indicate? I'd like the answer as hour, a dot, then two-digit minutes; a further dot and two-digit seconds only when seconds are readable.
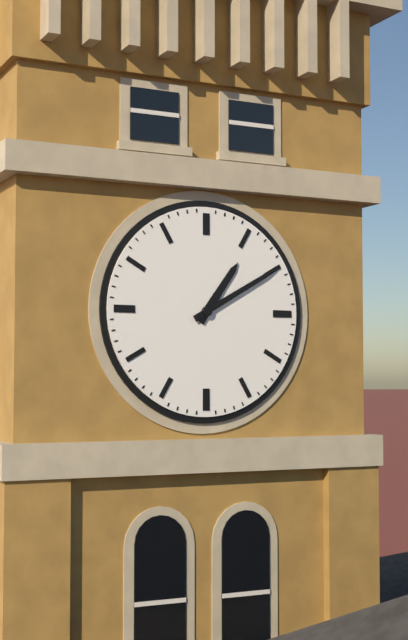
1.10
